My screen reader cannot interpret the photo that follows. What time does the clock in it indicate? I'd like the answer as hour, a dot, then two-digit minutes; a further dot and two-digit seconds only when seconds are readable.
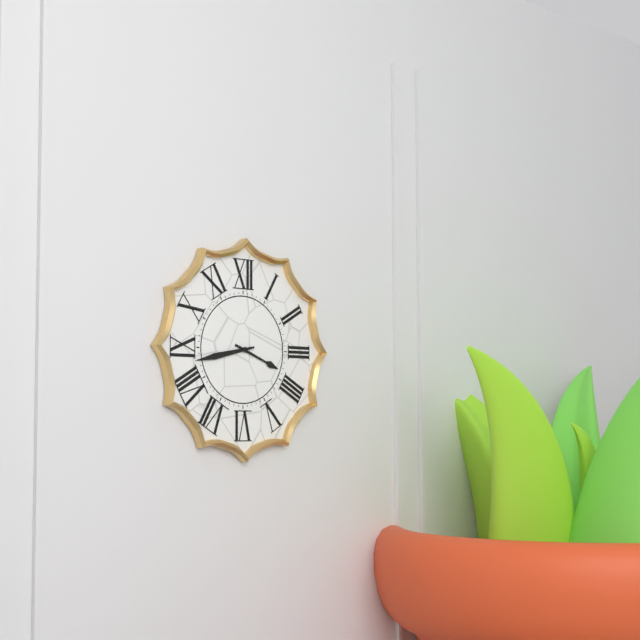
3.43
